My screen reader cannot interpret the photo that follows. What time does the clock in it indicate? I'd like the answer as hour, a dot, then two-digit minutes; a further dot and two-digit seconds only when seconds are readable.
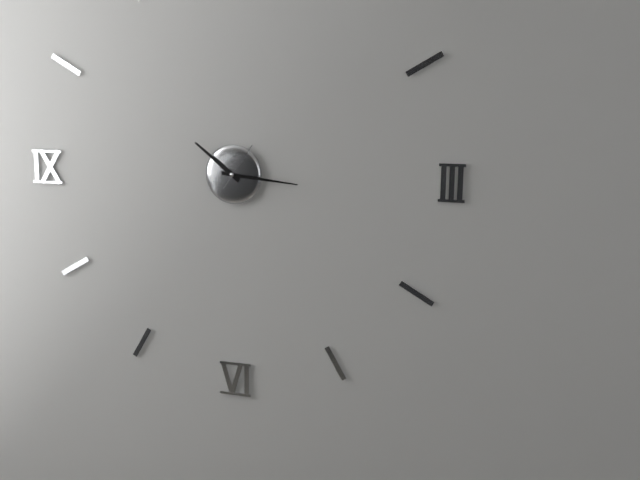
10.16
